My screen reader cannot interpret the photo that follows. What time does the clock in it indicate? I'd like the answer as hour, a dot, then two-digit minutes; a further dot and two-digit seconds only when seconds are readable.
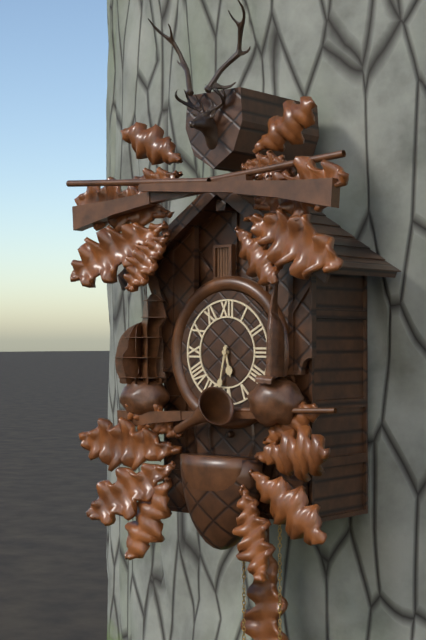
5.32
